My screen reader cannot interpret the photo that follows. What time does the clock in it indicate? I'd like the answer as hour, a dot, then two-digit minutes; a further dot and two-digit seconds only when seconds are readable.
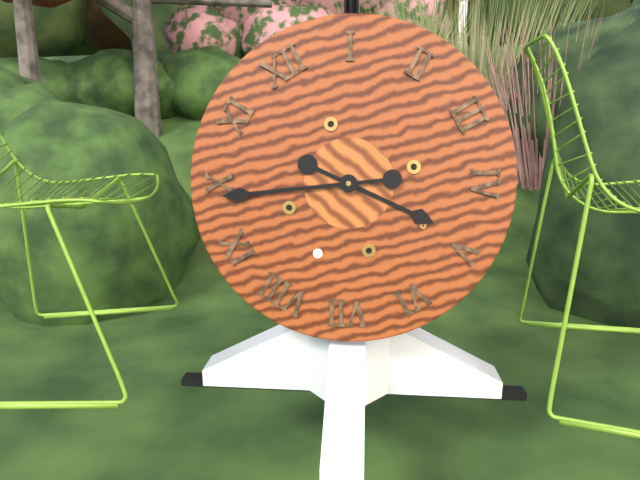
4.49
